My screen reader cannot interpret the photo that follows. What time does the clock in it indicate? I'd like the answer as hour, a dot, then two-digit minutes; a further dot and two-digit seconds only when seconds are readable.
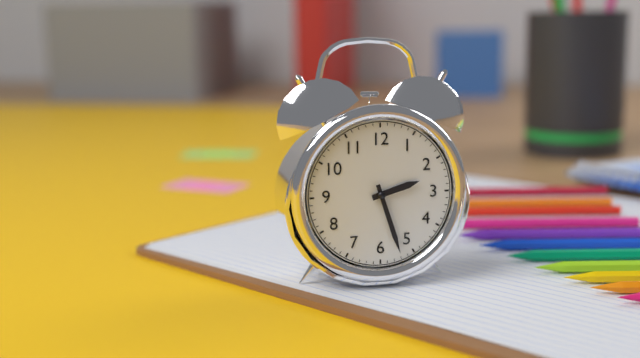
2.27
